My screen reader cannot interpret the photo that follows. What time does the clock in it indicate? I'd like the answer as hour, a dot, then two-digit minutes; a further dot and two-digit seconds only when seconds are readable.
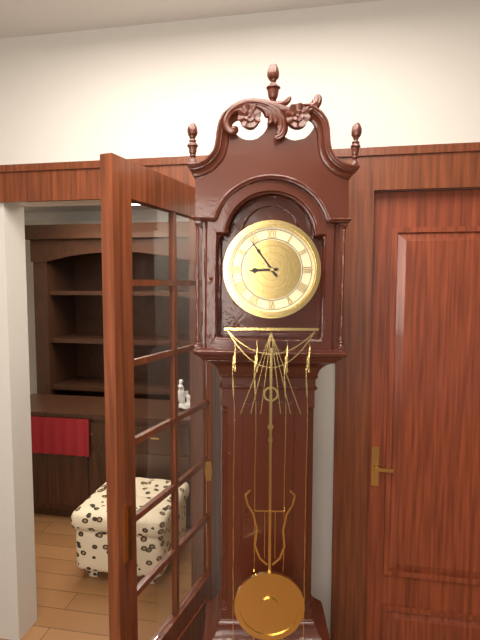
8.54
